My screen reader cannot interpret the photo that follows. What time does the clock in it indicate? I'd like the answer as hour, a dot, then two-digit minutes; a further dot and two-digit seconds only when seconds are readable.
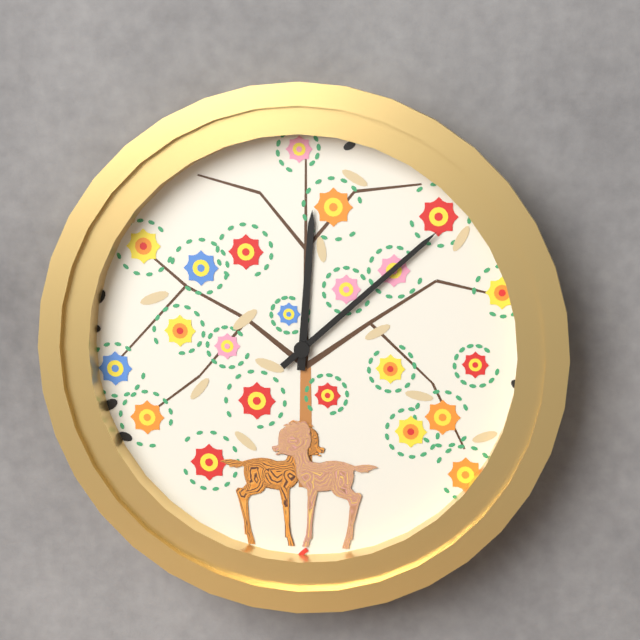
12.08
